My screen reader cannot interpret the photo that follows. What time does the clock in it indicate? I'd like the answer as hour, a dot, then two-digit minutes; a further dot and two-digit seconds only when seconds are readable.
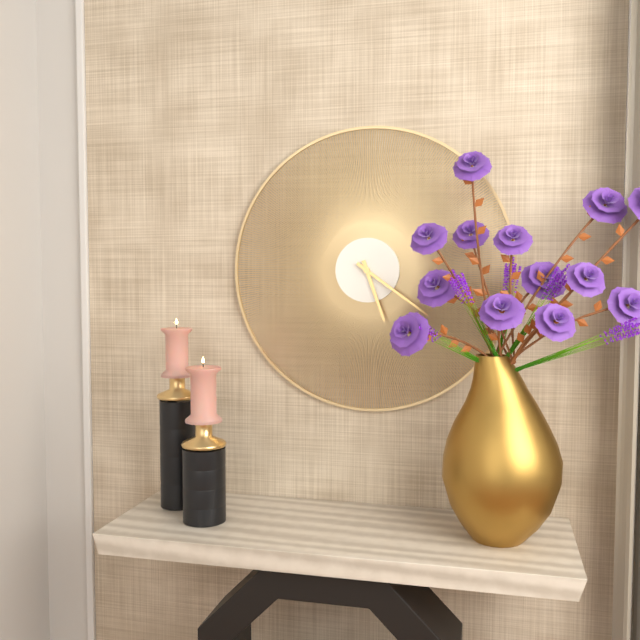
5.21
